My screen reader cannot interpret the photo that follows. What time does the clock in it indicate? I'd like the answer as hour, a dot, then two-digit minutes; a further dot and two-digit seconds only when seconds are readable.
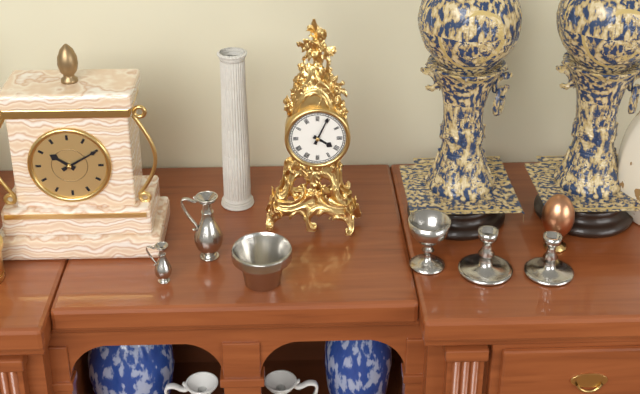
4.04
